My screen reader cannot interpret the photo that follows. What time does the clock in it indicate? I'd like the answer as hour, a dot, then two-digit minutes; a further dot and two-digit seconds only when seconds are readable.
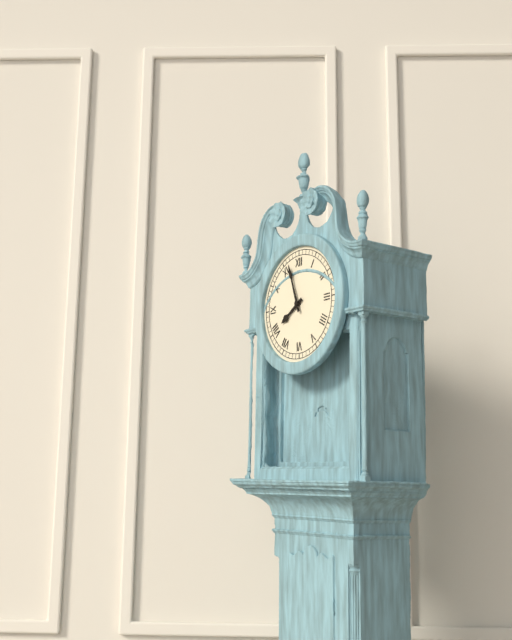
7.57
